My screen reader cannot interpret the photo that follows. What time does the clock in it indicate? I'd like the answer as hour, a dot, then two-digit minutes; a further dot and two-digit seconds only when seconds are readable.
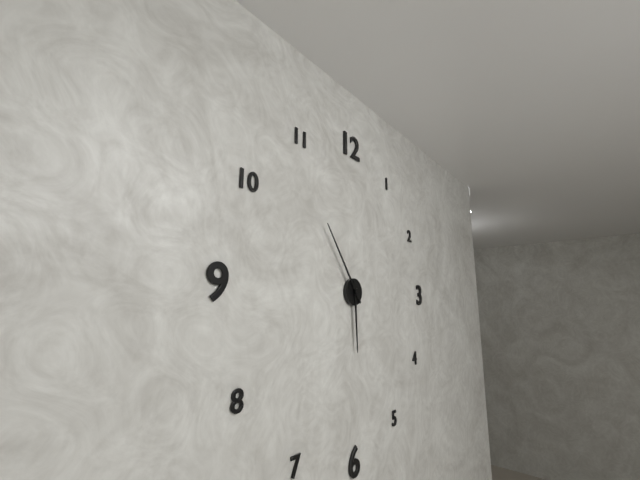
5.54
